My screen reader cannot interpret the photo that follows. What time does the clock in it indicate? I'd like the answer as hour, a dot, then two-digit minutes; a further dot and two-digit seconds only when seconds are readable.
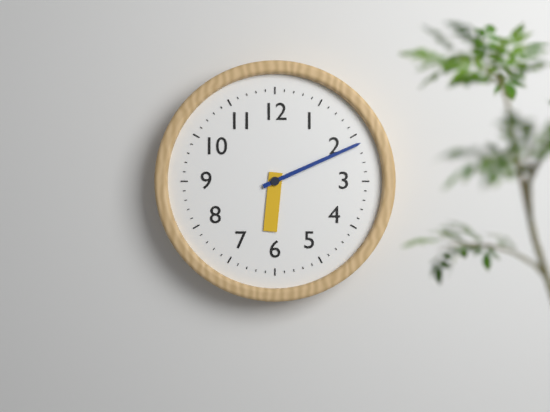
6.11
